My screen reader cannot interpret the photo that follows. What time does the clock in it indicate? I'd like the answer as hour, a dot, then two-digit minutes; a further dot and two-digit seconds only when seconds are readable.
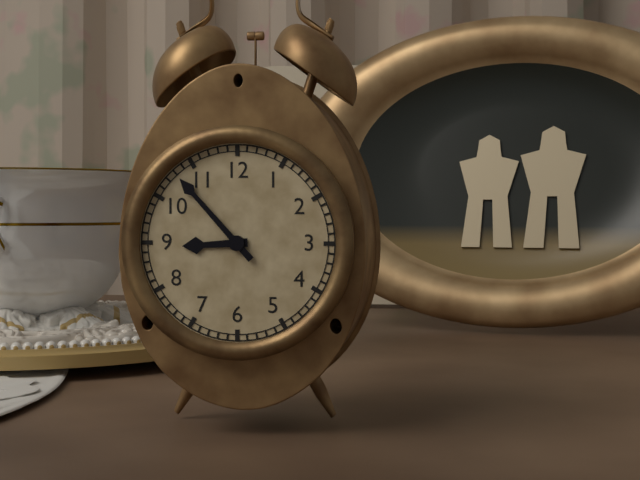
8.53
